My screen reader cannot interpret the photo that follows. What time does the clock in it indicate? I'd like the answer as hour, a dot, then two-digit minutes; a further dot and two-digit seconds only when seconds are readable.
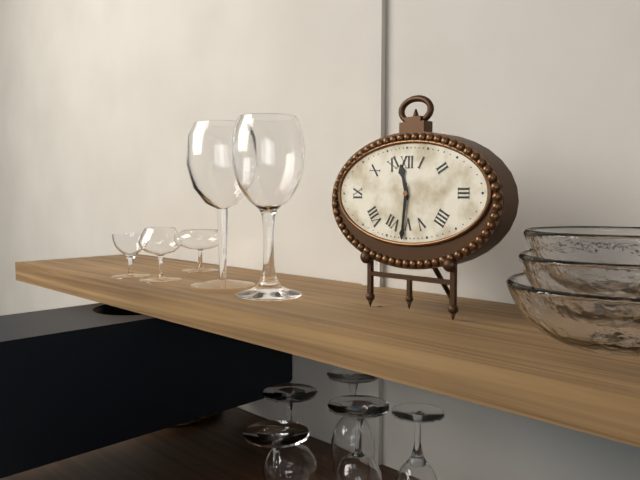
11.31
